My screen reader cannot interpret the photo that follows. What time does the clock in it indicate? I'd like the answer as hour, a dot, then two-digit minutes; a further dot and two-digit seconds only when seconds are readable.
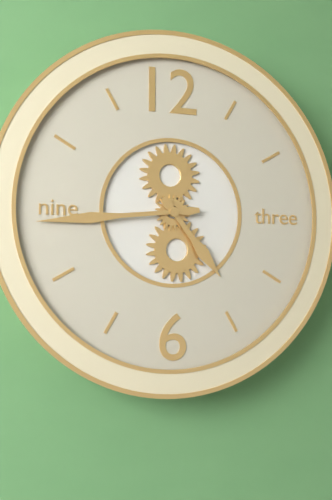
4.44
